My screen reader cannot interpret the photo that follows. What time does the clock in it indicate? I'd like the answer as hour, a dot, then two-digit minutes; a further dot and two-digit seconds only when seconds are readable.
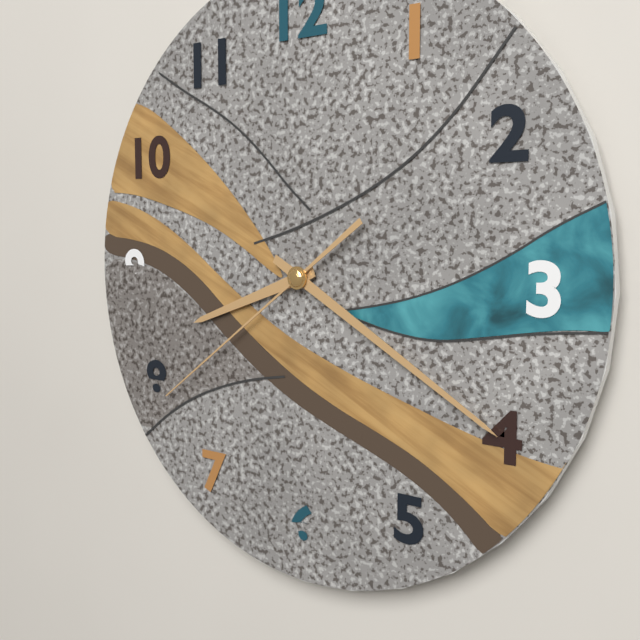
8.20.39
